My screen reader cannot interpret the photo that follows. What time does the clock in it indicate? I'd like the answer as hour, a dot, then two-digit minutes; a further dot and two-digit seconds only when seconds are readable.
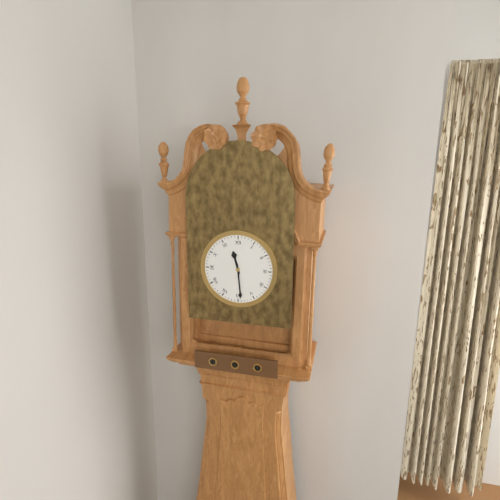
11.29
